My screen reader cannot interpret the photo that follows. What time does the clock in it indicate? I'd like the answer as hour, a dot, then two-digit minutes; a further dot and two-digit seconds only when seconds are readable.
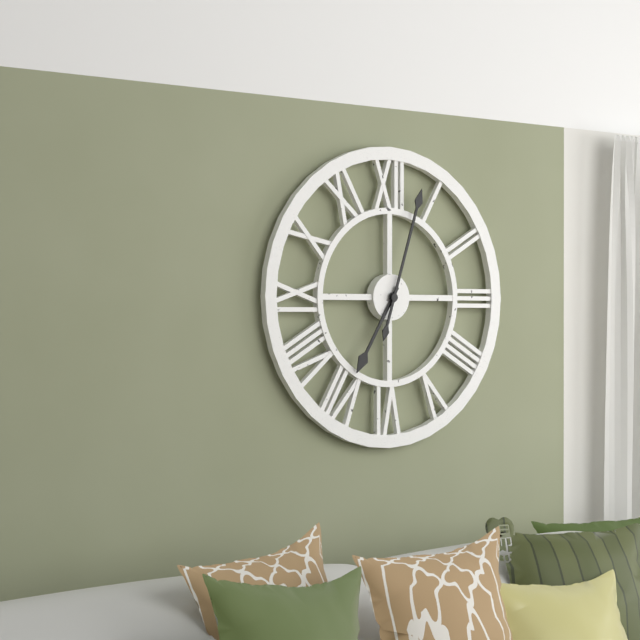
7.03
